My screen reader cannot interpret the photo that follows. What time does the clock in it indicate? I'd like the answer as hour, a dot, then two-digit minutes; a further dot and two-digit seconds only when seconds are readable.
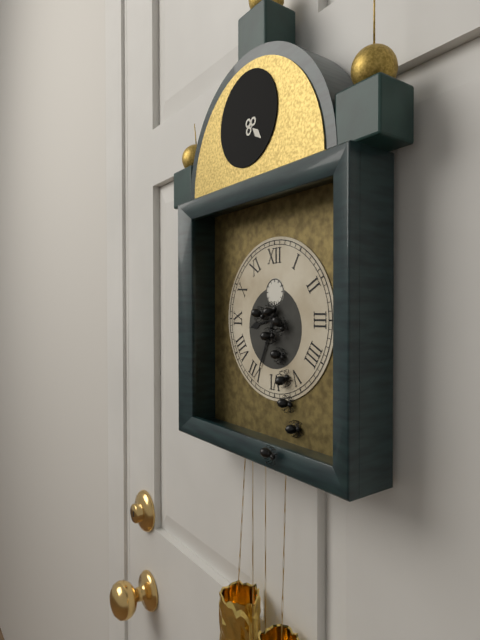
8.34
